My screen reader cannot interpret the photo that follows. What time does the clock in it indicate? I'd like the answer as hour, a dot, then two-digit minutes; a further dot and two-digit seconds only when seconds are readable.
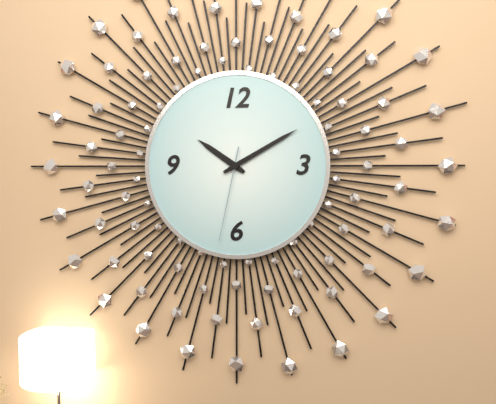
10.10.32
